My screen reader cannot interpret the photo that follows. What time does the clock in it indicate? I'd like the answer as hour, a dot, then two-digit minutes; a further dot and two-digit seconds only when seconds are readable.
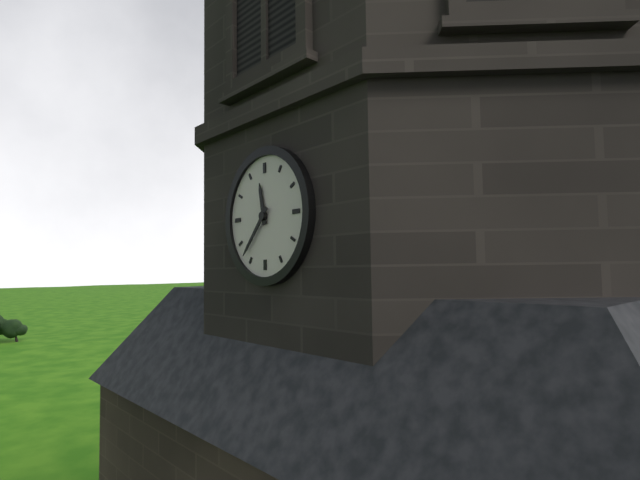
11.37
